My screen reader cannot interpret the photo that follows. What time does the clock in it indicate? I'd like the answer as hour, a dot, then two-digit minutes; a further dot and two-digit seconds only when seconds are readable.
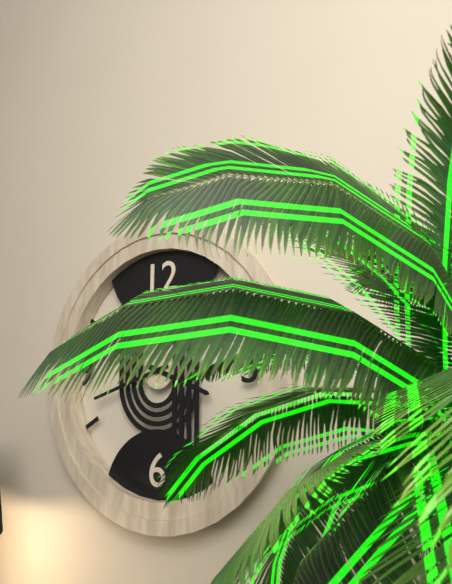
3.42
